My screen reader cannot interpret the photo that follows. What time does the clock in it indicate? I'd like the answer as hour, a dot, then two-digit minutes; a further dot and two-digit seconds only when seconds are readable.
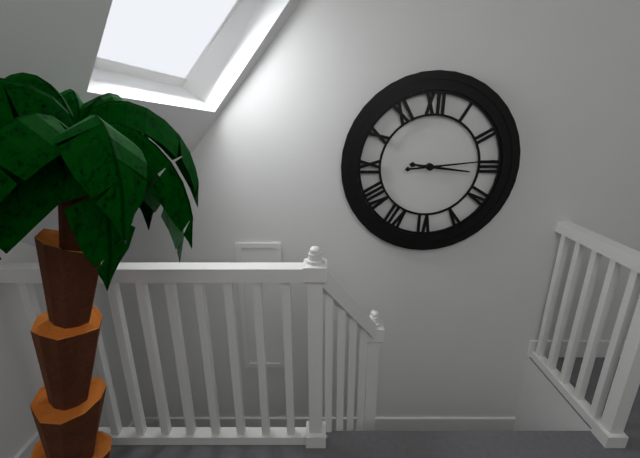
3.14
